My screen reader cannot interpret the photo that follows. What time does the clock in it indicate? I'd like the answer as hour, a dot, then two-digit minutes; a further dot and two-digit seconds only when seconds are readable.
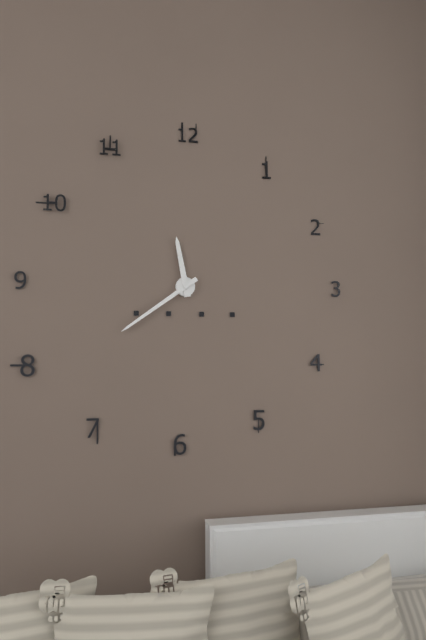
11.39
